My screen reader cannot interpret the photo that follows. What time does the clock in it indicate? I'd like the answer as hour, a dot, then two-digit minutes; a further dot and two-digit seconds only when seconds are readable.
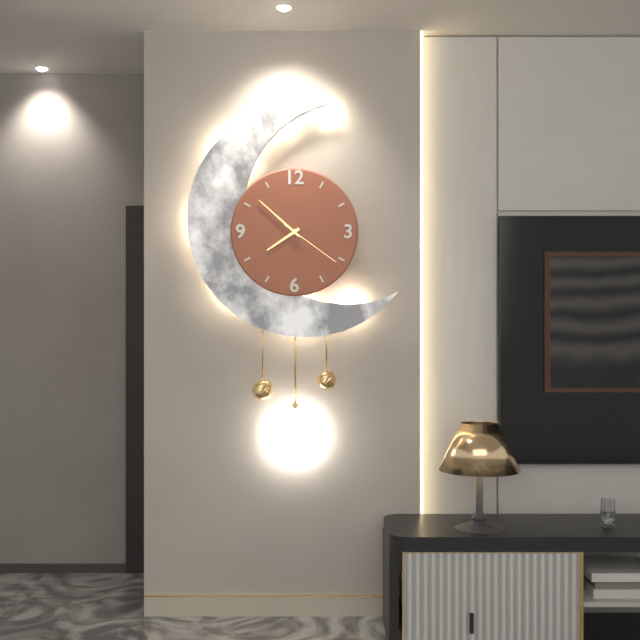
7.52.21
